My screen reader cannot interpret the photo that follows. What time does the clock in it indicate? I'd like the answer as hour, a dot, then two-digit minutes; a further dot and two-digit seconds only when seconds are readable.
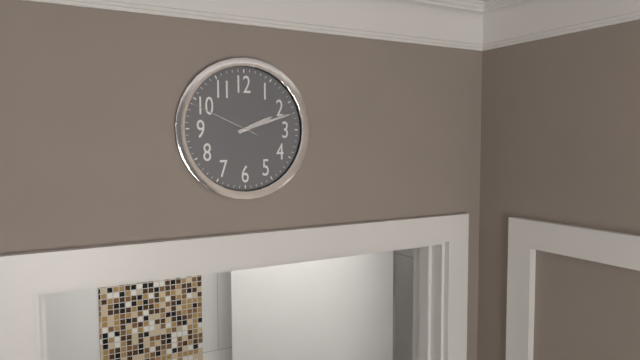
2.12.49
